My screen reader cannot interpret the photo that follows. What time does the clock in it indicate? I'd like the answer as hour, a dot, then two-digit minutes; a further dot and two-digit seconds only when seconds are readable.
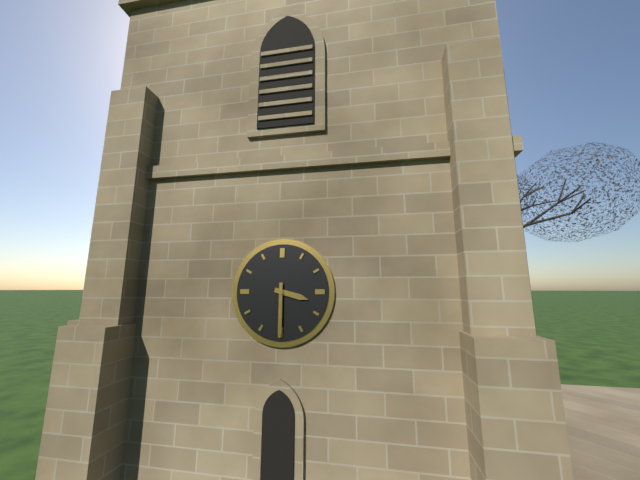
3.30
